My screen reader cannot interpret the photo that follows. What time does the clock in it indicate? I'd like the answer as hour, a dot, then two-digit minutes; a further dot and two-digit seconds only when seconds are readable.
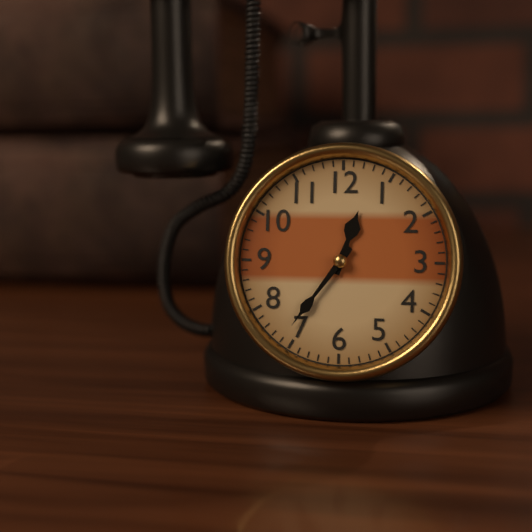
12.36
